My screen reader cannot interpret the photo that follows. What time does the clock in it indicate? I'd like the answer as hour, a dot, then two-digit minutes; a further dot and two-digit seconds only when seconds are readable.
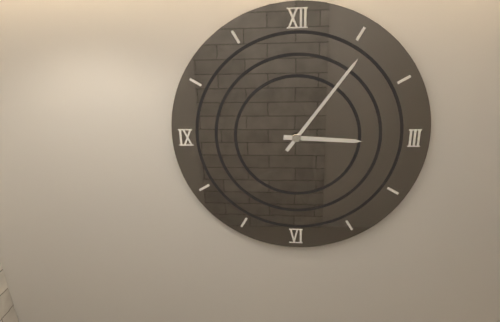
3.06
